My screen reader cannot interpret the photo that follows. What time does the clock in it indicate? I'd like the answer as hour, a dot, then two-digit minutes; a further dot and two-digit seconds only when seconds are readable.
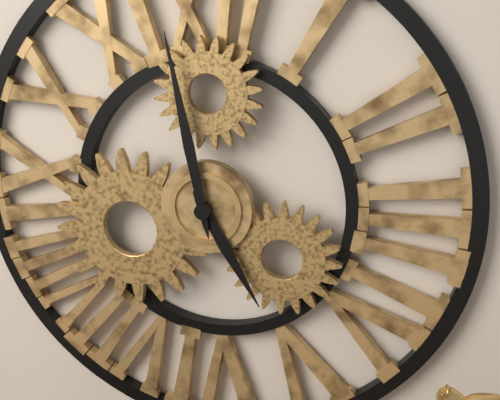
4.58
